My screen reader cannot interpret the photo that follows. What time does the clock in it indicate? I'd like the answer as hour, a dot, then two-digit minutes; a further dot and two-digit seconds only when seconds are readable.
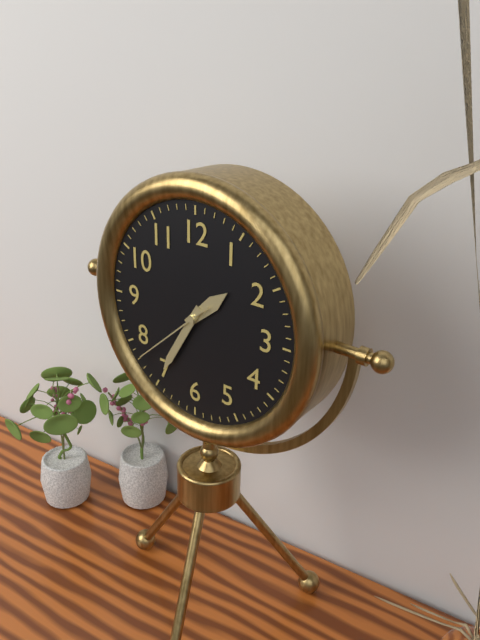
1.35.38
